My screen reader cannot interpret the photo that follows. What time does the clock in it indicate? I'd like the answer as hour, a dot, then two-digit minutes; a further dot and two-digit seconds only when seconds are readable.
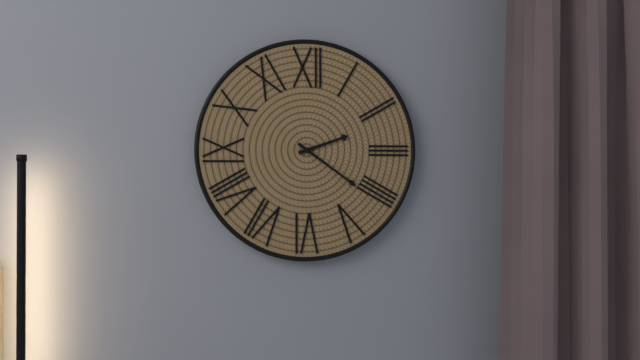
2.21
